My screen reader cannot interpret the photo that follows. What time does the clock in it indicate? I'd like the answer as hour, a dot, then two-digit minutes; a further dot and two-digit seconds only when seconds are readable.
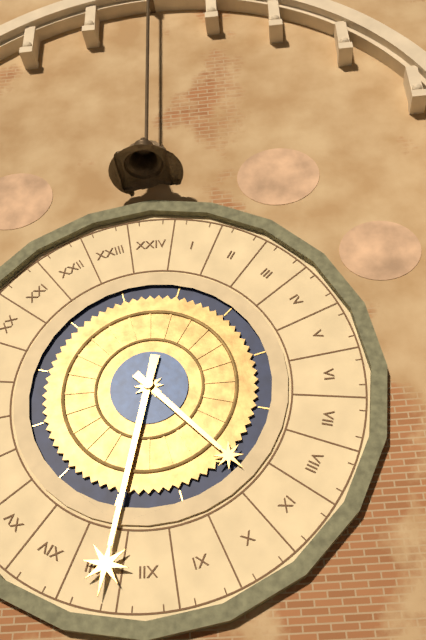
4.32
